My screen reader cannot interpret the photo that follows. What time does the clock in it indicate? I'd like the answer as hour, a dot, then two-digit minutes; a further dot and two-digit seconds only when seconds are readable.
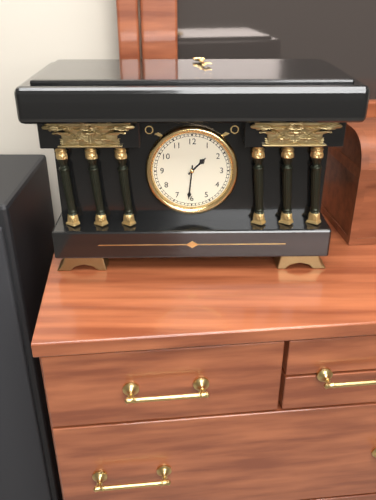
1.31
